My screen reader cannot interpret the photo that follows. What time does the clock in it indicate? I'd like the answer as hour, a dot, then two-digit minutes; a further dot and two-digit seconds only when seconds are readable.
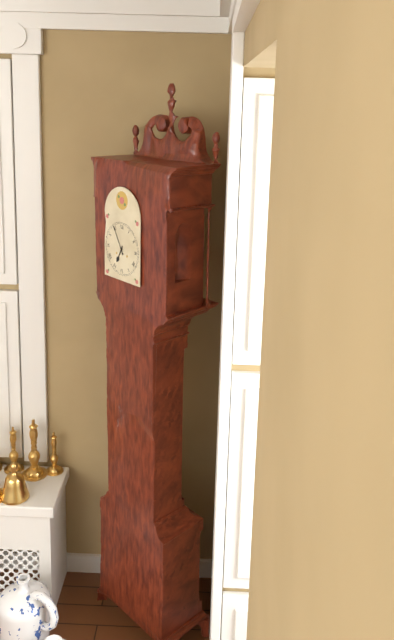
6.55
